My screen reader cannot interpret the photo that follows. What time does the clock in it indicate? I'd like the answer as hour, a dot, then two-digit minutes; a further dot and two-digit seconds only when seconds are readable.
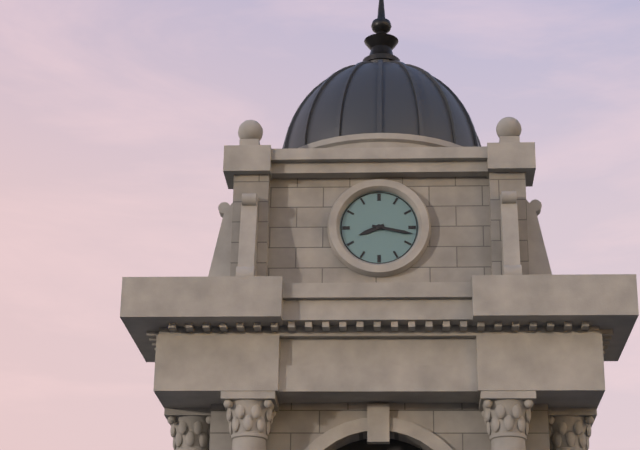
8.17
